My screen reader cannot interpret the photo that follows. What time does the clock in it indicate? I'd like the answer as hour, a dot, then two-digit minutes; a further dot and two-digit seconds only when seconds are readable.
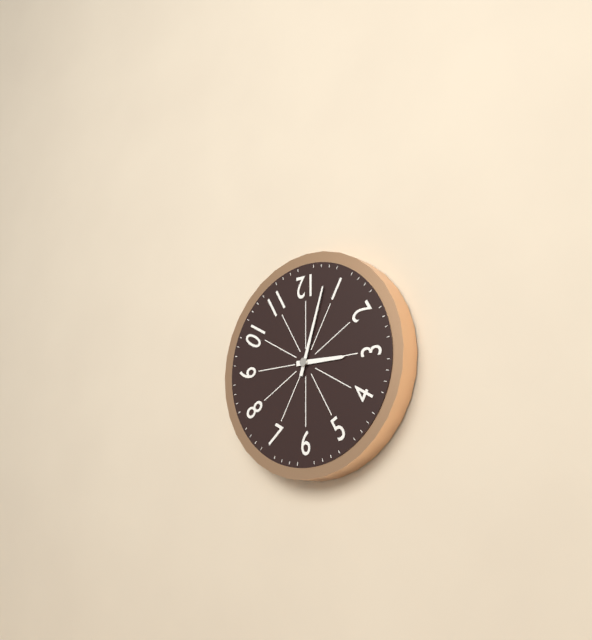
3.03
